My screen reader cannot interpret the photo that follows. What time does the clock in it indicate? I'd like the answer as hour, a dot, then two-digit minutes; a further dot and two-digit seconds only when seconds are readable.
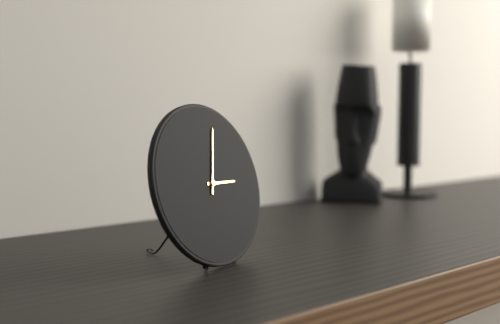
3.03
